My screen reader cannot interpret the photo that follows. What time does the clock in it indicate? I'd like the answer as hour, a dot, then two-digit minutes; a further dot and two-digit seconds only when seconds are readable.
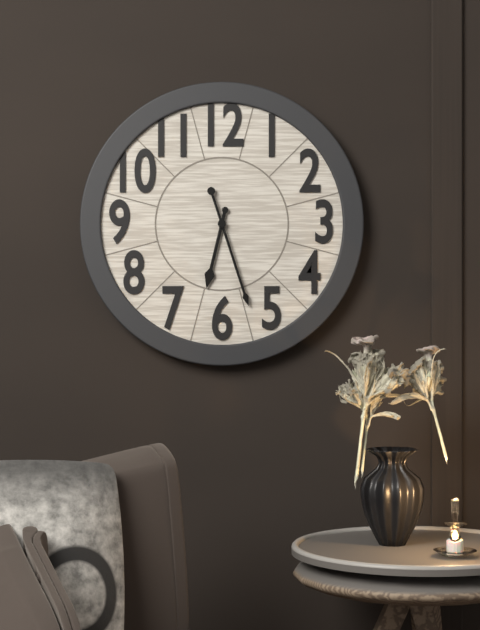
6.27
